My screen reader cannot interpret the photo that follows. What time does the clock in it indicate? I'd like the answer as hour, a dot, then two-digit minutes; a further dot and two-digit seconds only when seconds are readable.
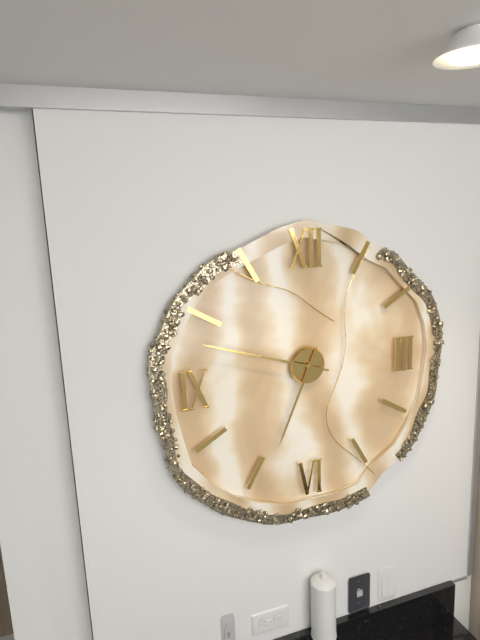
6.48
